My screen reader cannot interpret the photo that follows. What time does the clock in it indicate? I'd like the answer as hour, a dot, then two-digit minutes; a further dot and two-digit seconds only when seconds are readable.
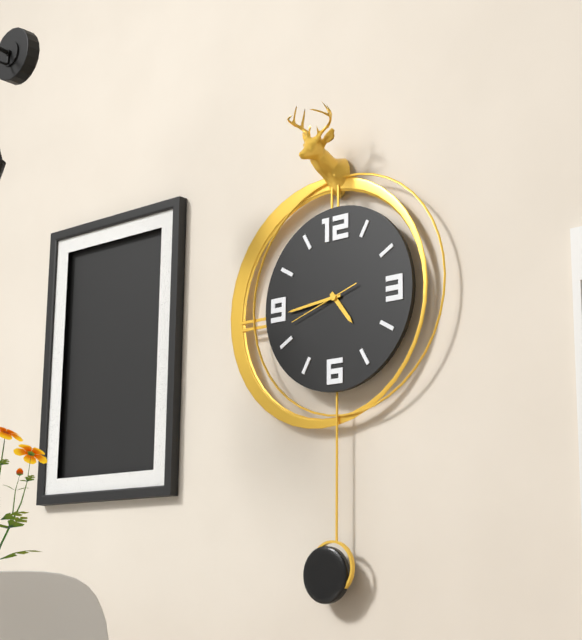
4.44.42
